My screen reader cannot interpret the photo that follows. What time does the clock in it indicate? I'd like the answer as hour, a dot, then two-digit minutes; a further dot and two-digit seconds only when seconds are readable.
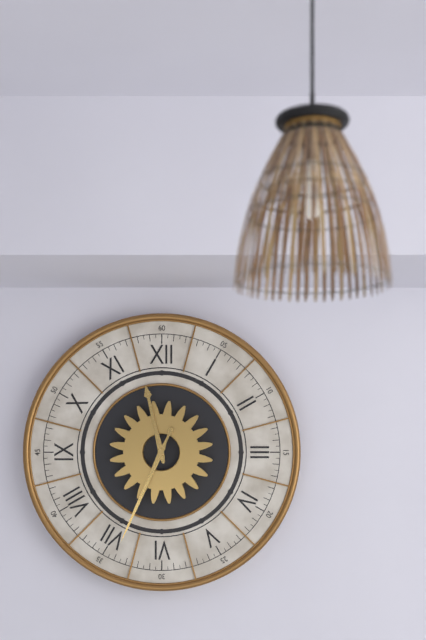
11.34
